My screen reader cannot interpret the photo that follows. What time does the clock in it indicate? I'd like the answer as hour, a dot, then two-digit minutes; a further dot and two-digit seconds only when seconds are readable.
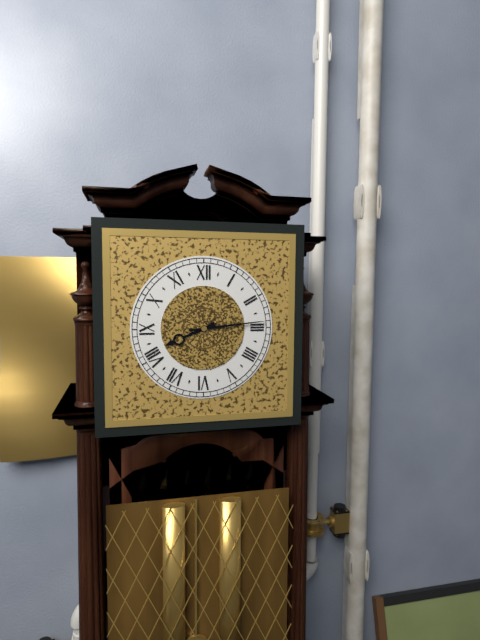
8.14
